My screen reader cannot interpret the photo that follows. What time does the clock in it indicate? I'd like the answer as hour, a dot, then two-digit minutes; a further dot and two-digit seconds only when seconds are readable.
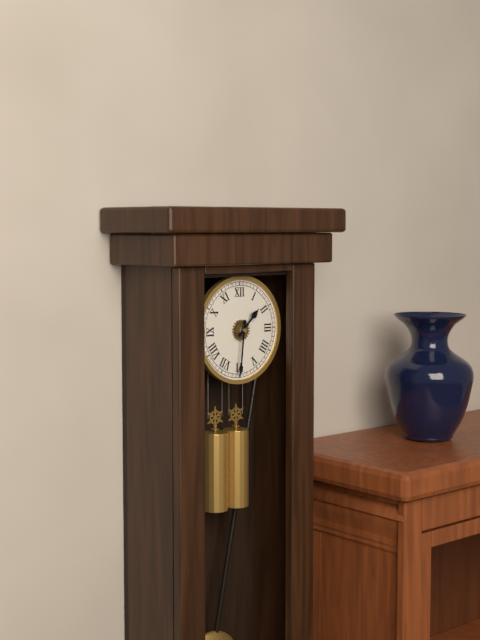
1.31
